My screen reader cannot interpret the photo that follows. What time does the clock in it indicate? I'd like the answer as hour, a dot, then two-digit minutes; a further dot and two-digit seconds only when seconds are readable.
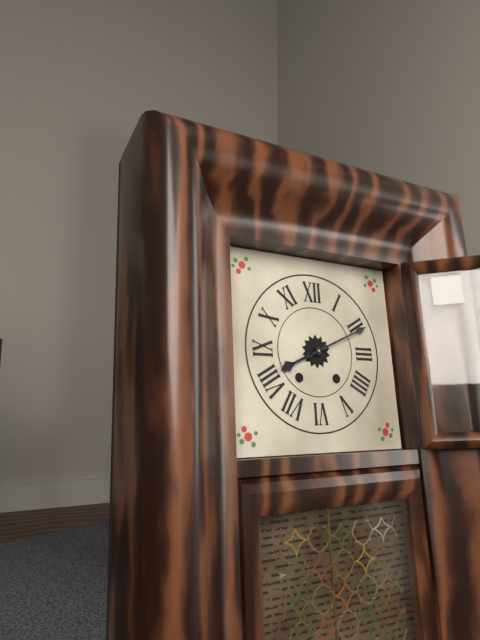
8.11
